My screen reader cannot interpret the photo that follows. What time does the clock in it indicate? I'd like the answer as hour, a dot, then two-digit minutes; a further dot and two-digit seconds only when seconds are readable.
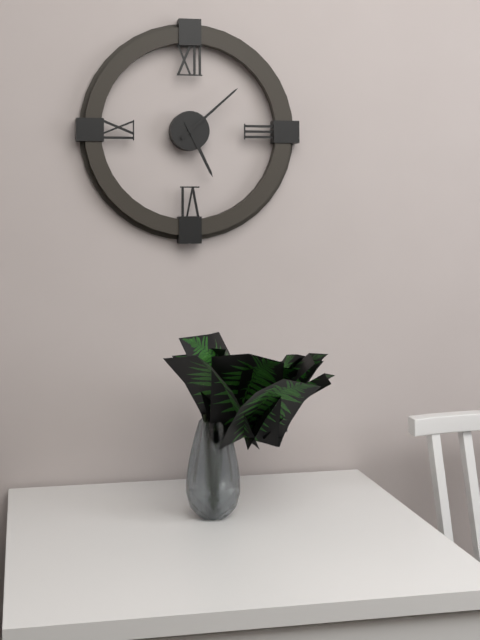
5.08
